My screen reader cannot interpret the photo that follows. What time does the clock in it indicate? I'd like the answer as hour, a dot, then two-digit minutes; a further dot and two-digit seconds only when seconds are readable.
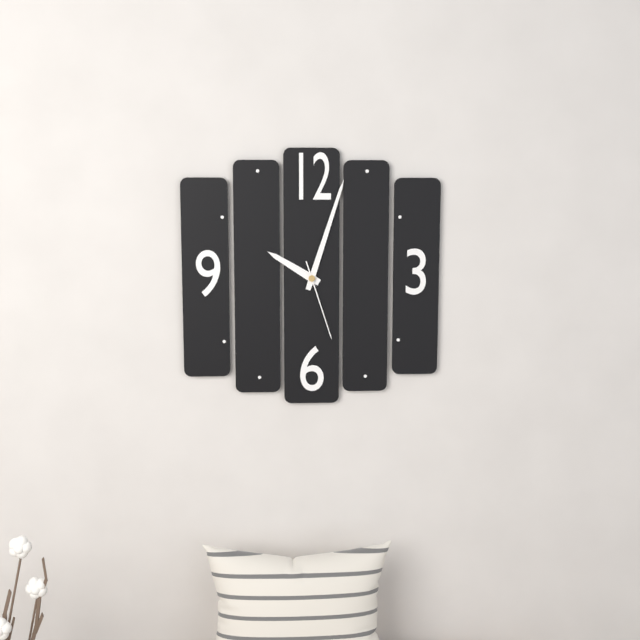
10.03.27
